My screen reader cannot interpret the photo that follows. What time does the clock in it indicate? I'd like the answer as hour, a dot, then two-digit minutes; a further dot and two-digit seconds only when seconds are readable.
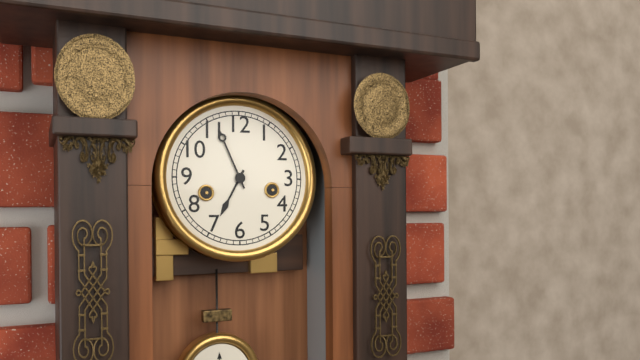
6.56
